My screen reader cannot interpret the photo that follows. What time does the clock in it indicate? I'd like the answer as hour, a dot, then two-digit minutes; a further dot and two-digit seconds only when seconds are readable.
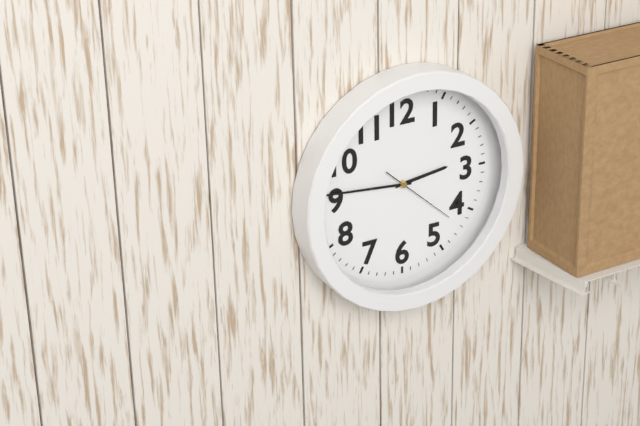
2.46.22
